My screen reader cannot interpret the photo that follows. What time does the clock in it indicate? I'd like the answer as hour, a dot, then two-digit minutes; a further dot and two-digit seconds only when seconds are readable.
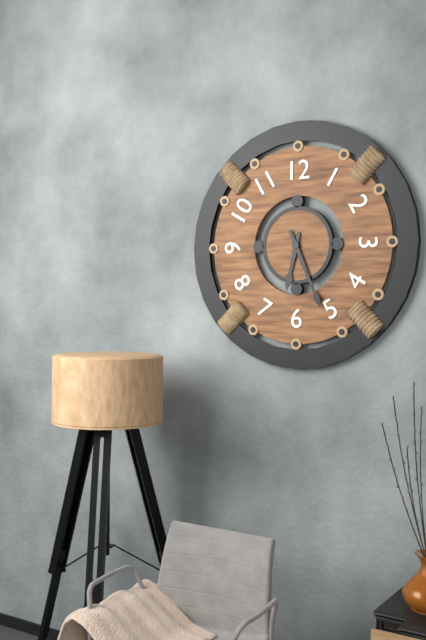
6.26
